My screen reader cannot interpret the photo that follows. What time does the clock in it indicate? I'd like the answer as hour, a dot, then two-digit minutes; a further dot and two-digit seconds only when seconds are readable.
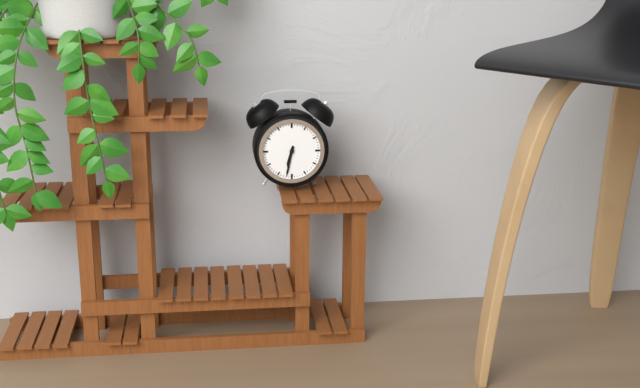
6.32
